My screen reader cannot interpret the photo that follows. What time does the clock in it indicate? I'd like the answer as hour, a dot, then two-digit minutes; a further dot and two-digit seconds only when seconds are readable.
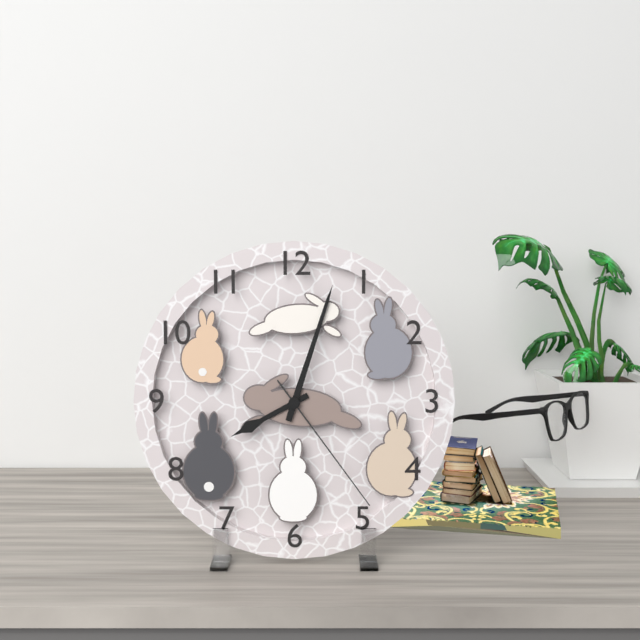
8.03.24
